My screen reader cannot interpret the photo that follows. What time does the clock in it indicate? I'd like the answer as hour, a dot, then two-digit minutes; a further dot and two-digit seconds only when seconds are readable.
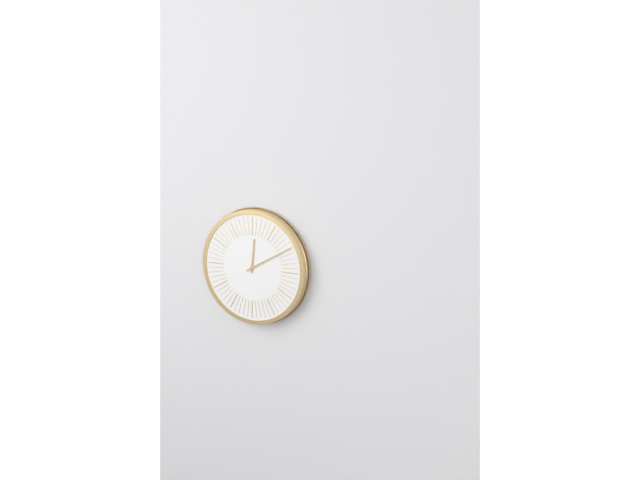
12.10
